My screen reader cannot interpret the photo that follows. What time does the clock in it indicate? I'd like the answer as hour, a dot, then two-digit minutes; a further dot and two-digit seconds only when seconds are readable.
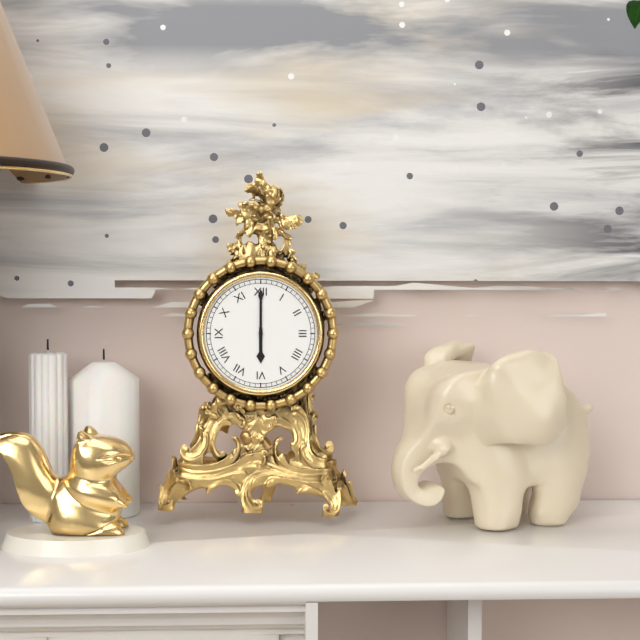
6.00
